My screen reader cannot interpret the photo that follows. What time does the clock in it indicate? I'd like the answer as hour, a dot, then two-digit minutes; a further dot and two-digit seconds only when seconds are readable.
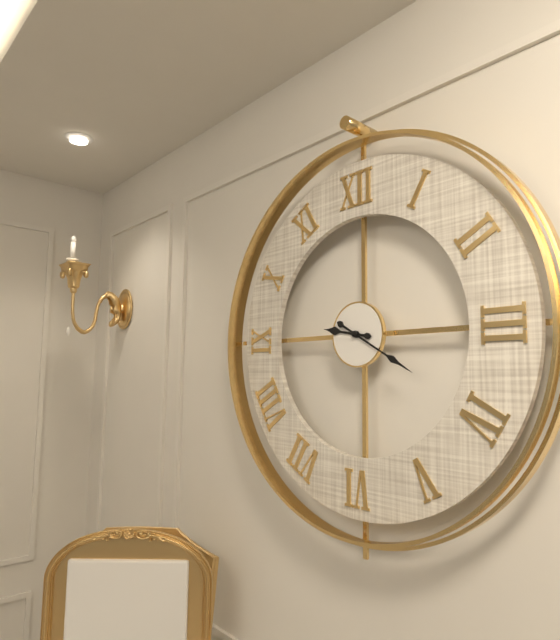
9.20
